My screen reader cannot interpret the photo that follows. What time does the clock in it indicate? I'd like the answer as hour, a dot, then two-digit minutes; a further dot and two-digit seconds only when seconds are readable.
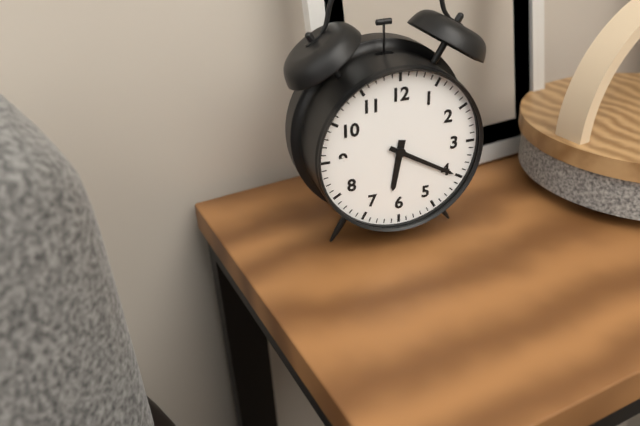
6.20
